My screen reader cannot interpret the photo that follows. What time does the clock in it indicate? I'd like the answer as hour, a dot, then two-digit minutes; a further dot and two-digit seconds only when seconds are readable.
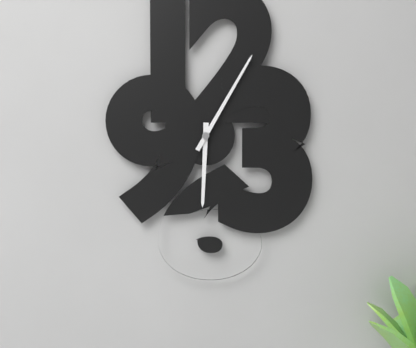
6.05
